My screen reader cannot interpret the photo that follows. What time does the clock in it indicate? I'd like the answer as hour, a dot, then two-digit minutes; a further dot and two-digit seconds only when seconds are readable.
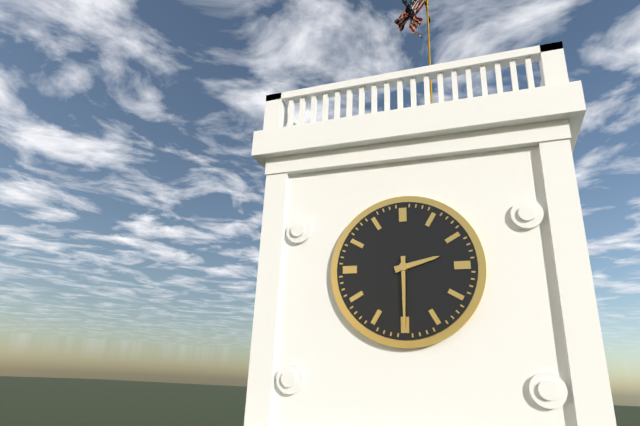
2.30
